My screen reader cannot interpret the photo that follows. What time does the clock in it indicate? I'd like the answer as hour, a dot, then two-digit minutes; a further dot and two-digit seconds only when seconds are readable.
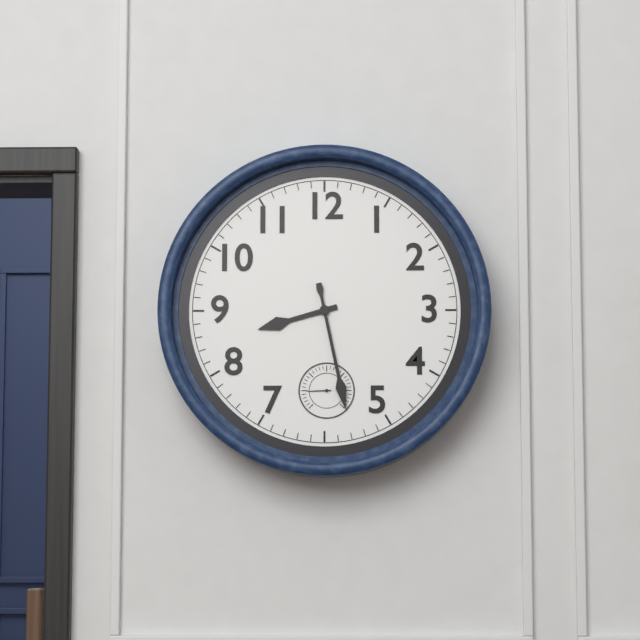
8.28
